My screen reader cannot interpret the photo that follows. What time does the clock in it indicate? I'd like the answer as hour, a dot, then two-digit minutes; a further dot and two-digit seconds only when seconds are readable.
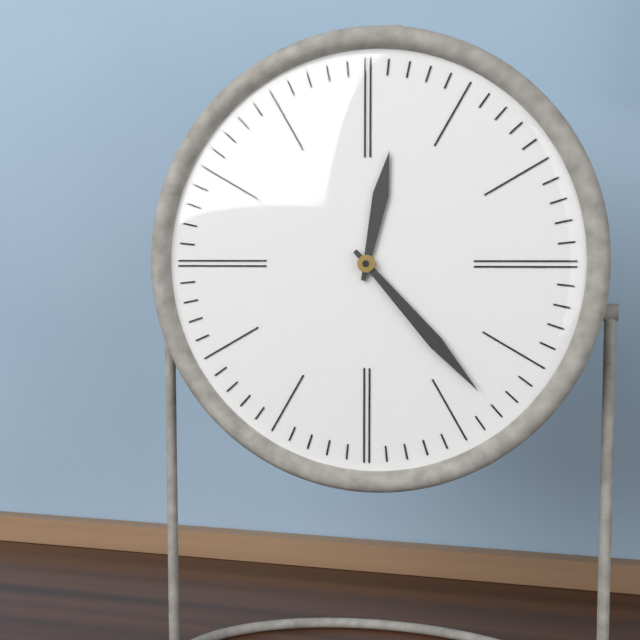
12.23
